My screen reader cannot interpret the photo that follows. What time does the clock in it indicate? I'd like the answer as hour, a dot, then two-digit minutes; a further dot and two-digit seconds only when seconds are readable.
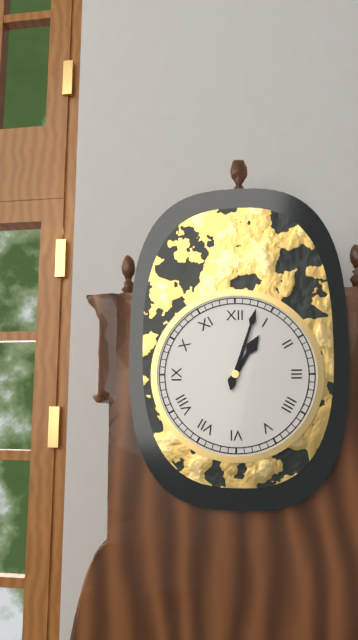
1.03
